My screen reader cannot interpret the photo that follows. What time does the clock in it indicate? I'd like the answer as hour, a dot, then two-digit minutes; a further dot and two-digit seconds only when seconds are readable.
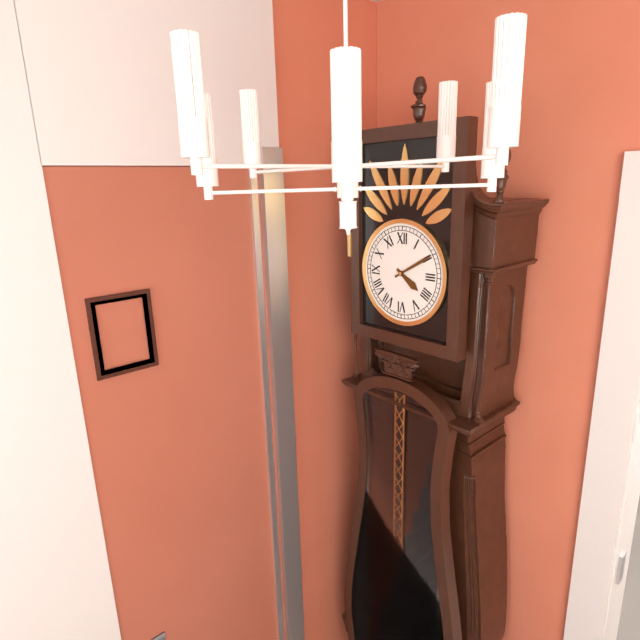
4.10
